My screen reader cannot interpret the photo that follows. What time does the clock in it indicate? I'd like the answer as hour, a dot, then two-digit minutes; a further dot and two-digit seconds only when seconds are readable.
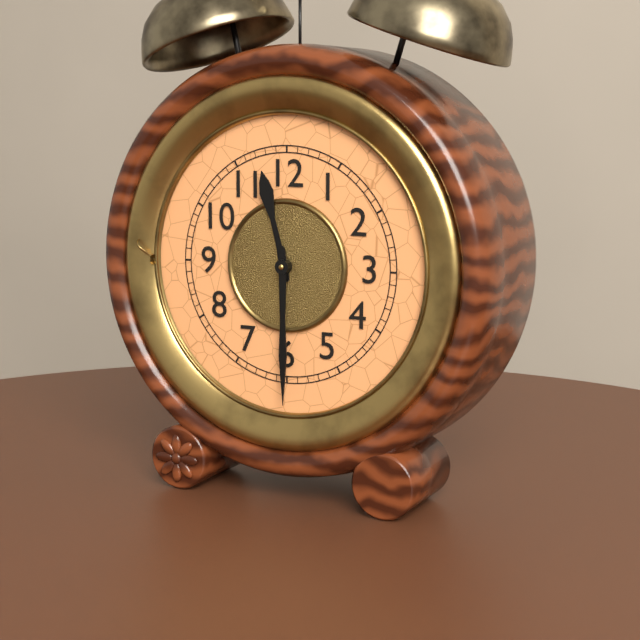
11.30
